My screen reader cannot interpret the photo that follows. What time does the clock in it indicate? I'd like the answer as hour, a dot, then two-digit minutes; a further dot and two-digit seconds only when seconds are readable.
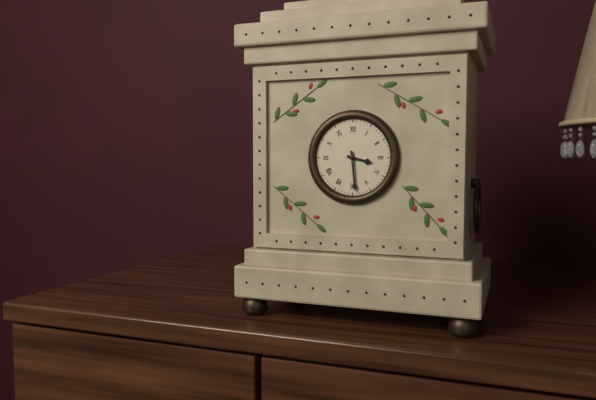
3.29
